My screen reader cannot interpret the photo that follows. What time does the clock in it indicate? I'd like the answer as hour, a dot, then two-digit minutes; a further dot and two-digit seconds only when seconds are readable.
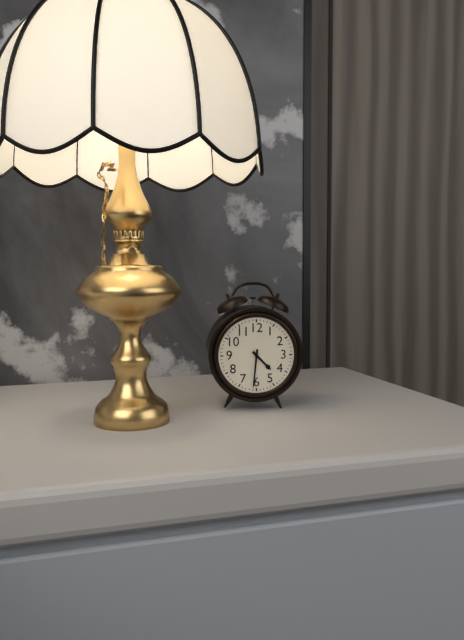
4.31
